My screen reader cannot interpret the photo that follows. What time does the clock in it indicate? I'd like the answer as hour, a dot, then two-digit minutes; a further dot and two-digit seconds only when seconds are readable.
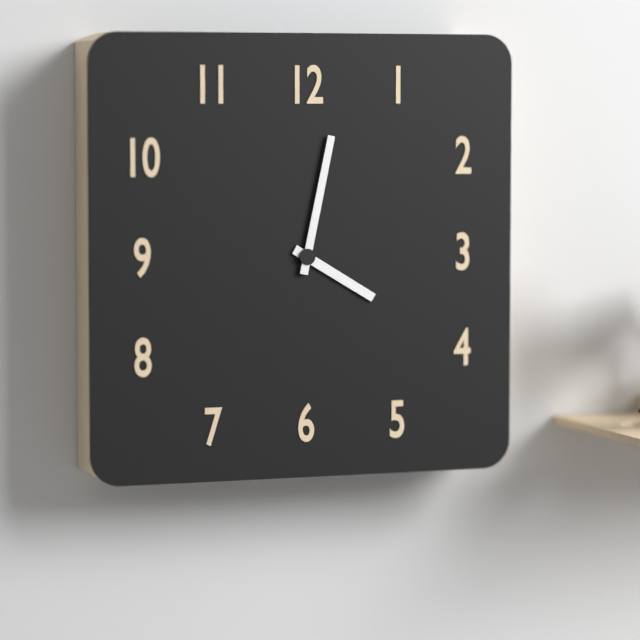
4.02
